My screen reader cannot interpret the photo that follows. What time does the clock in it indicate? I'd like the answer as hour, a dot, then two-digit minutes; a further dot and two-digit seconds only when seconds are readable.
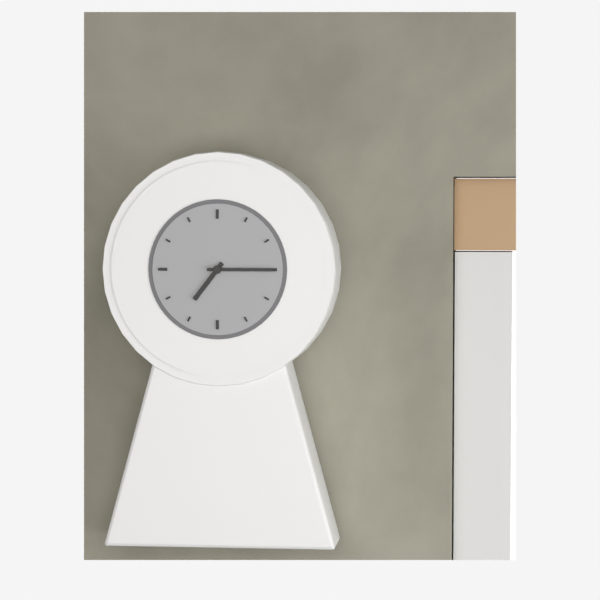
7.15
